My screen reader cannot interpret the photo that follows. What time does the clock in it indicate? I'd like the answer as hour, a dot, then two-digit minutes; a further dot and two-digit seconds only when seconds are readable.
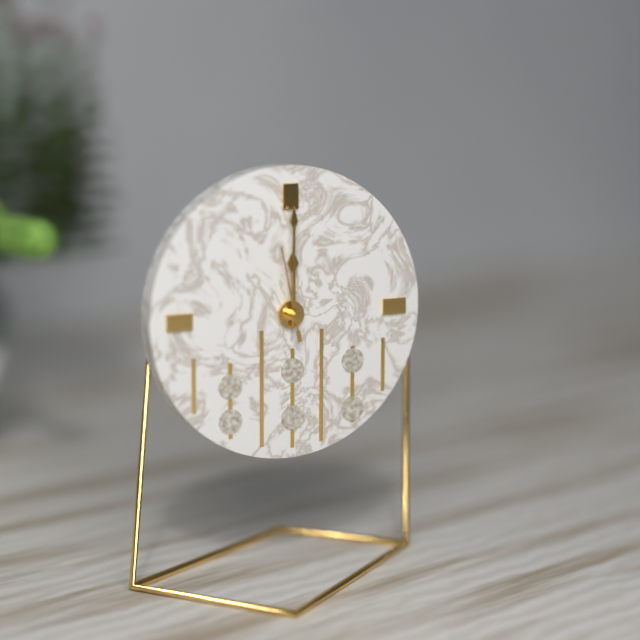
12.00.58
